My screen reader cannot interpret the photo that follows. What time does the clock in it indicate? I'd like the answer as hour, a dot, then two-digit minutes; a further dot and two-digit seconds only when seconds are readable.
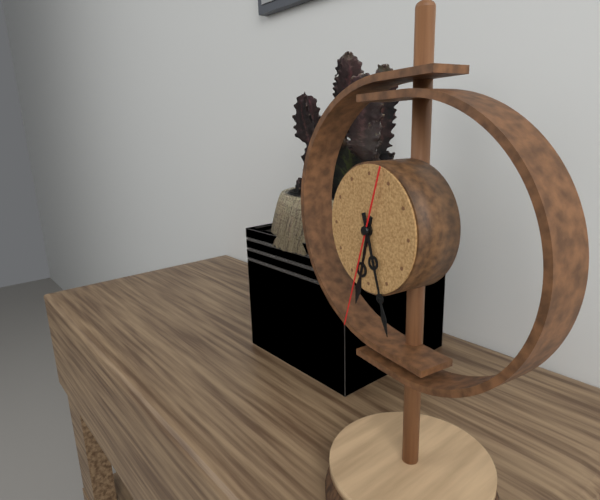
6.27.33
